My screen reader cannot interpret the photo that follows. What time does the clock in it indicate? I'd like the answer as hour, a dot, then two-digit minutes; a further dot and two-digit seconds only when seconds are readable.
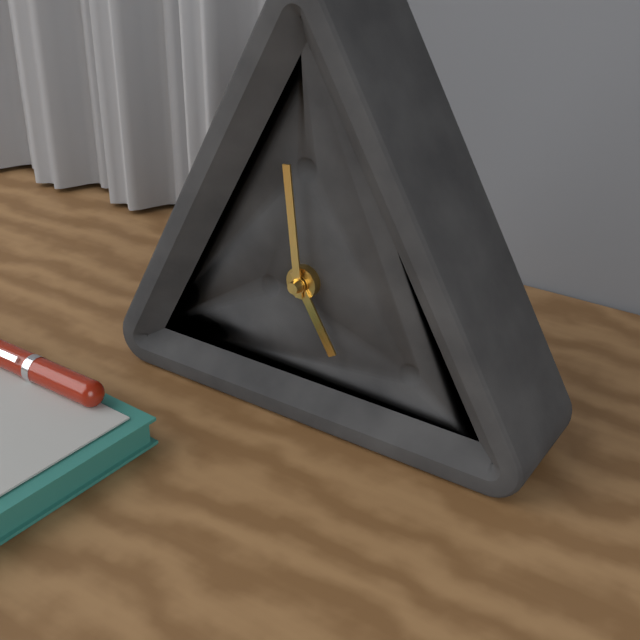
4.59
